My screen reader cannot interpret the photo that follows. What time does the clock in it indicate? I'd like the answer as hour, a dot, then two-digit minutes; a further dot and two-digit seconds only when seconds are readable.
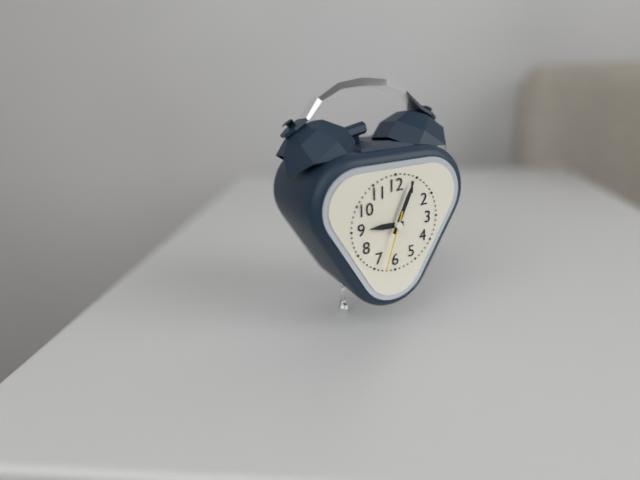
9.04.33
